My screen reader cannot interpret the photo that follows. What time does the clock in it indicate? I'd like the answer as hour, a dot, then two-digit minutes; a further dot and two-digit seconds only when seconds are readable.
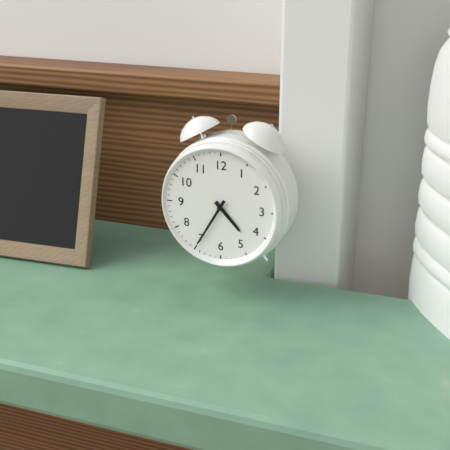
4.35
